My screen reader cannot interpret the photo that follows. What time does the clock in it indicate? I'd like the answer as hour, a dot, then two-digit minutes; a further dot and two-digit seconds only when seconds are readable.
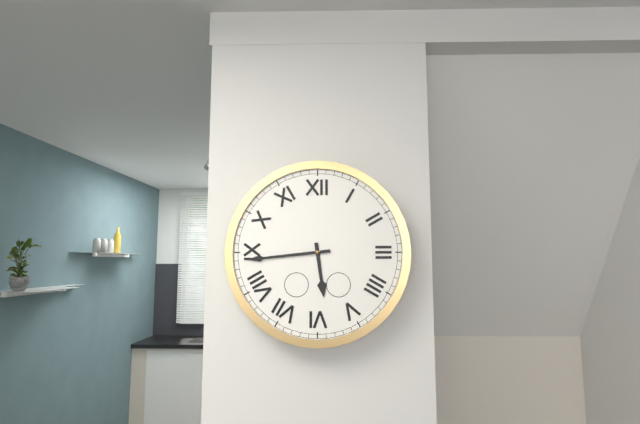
5.44
